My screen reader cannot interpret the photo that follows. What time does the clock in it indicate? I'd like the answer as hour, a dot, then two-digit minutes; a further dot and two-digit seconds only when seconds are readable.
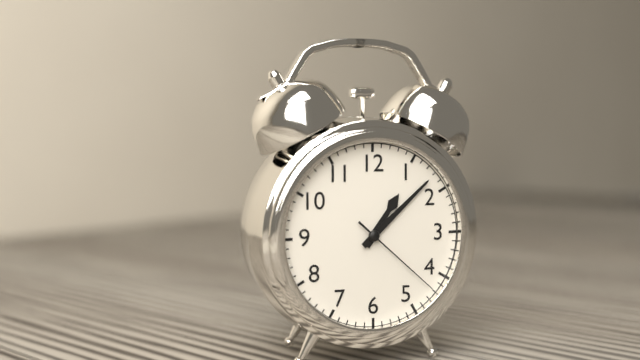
1.08.22
